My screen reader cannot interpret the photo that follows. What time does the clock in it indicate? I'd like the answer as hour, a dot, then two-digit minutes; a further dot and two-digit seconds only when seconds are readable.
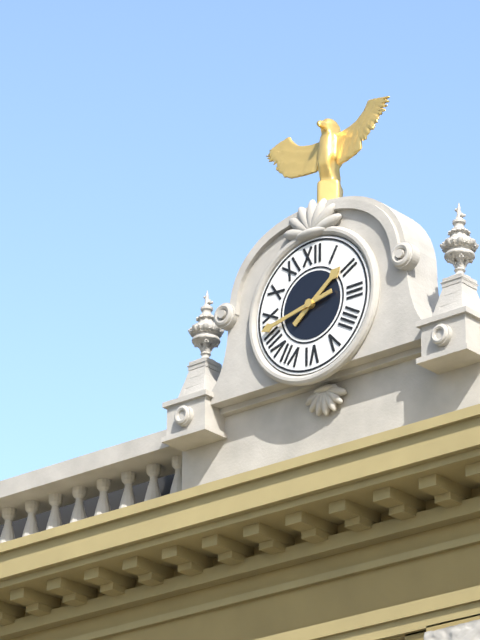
1.43
